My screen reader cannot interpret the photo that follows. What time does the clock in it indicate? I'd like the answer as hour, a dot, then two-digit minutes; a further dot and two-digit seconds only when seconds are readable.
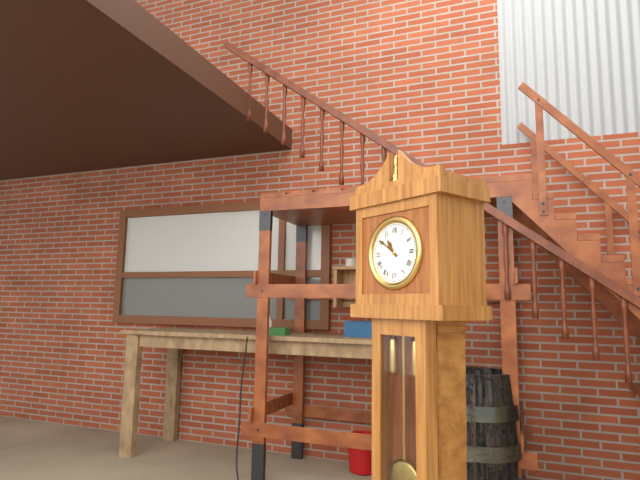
10.51
